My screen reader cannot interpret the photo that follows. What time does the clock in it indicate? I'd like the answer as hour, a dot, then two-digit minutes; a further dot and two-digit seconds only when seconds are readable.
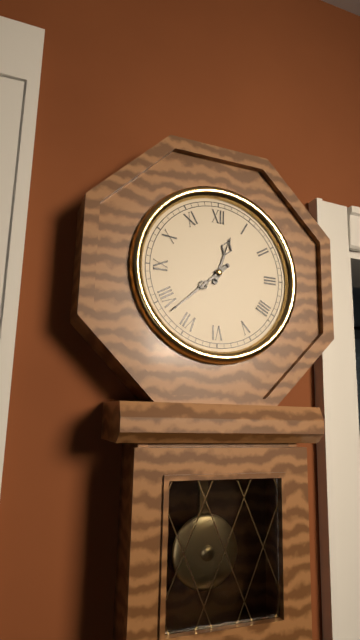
12.38
